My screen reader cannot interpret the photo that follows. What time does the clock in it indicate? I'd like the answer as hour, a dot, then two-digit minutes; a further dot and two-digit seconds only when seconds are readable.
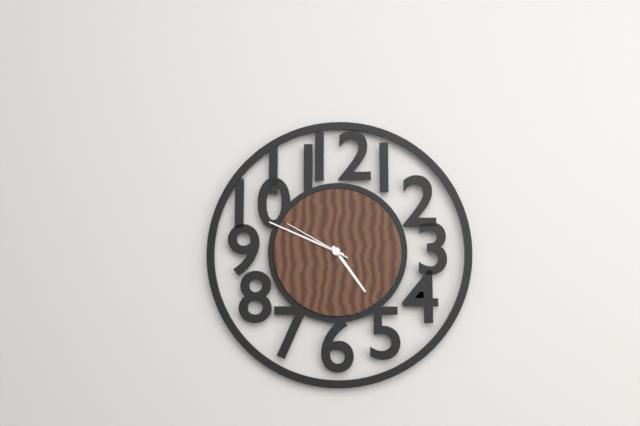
4.49.50
